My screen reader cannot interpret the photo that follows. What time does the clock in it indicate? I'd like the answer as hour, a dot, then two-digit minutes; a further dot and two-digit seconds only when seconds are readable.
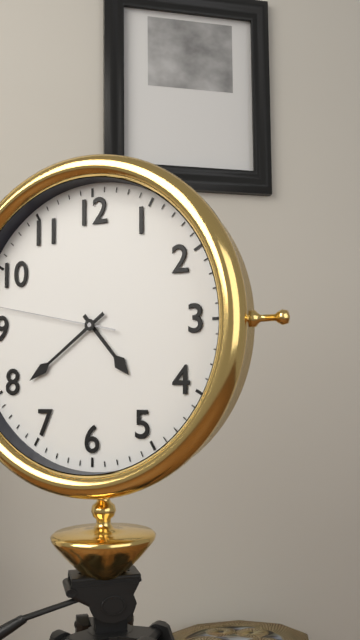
4.39
